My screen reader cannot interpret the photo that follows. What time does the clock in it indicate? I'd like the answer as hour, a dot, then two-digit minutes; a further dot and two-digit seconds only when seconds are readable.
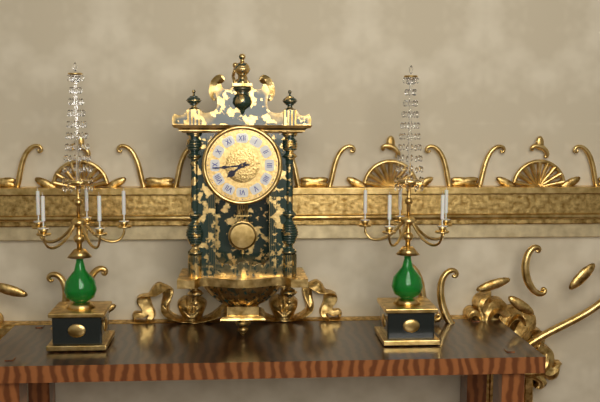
7.44
